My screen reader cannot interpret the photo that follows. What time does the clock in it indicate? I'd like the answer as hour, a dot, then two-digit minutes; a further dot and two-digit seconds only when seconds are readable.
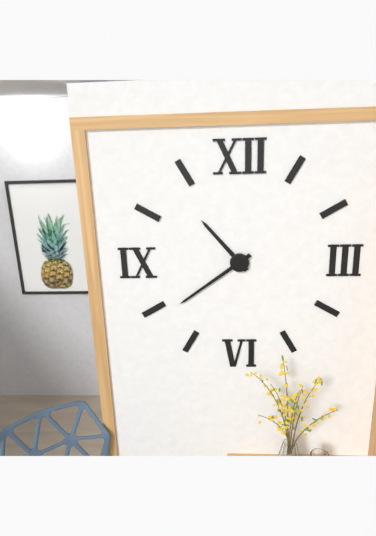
10.39
